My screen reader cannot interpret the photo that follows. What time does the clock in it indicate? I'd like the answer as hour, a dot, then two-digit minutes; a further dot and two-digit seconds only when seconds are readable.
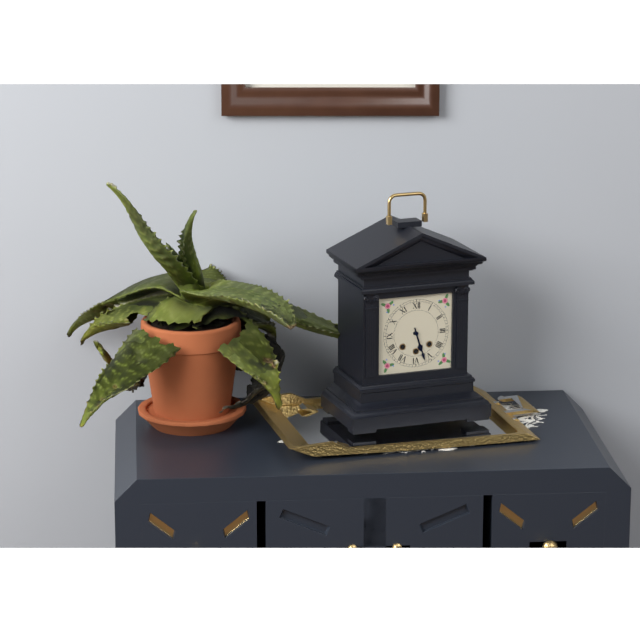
5.27
